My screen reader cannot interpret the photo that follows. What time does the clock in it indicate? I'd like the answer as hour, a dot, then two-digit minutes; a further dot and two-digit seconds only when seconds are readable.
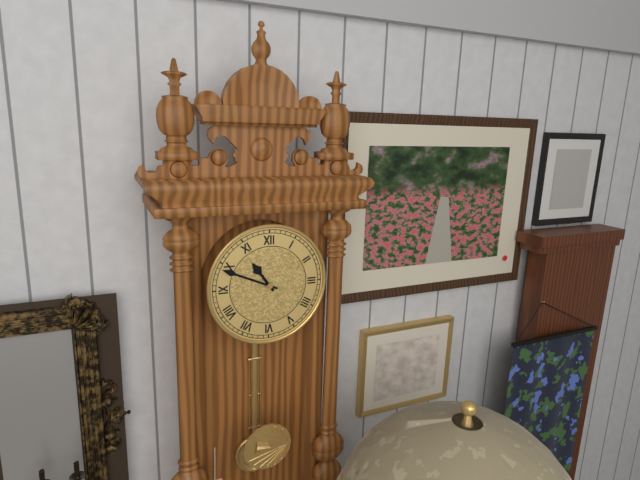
10.49
